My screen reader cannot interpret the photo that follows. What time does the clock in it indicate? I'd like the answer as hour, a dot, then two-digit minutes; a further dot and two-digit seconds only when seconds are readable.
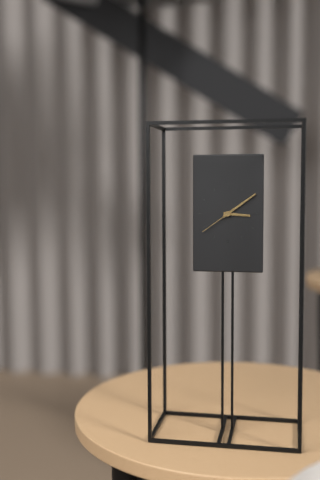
3.09
